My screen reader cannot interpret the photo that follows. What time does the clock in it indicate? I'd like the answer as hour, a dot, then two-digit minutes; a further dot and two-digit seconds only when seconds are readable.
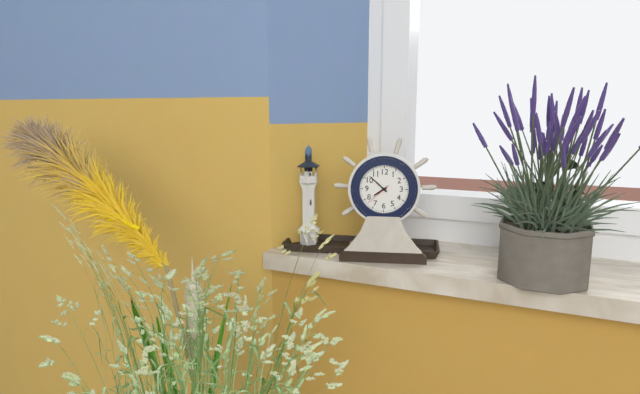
7.52
